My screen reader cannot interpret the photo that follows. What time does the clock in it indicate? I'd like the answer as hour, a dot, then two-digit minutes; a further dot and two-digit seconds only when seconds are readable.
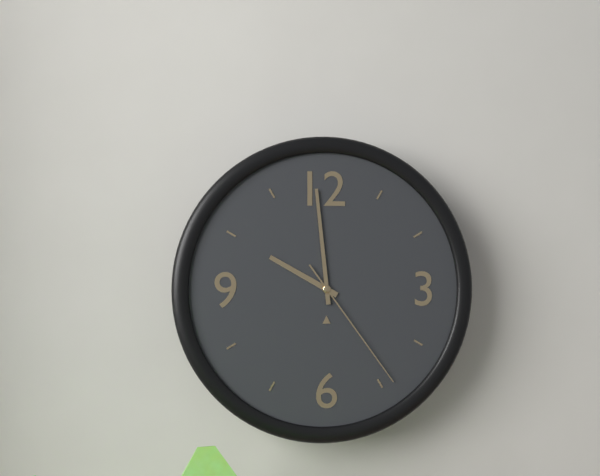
9.59.24
